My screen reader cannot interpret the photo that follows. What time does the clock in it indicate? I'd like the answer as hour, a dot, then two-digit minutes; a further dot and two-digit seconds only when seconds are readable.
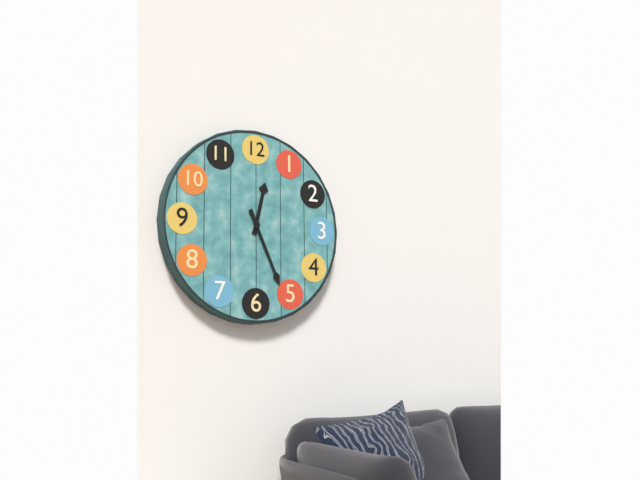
12.26
